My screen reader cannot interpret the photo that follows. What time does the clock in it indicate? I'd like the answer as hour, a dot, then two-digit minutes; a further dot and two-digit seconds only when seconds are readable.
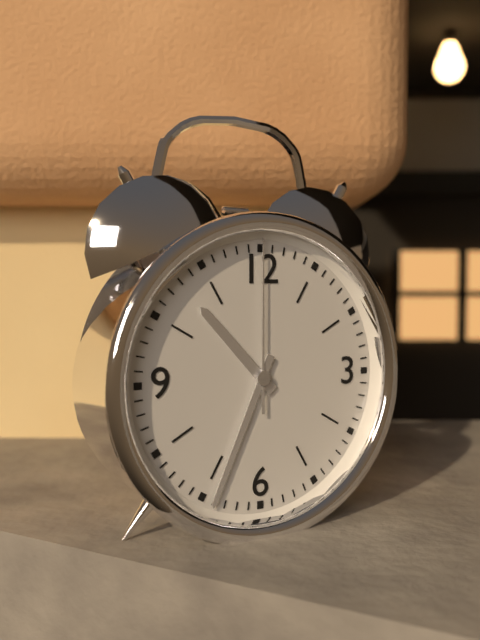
10.34.00
